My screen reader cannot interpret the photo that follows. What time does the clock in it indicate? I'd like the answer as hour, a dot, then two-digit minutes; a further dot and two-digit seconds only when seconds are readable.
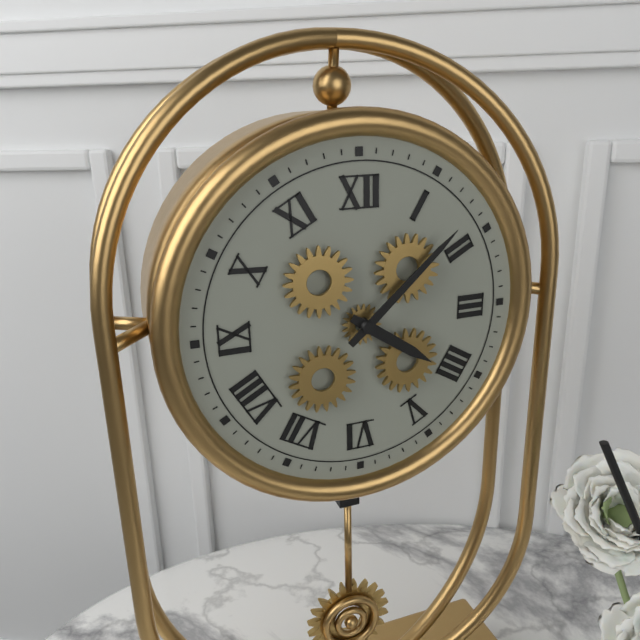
4.08
